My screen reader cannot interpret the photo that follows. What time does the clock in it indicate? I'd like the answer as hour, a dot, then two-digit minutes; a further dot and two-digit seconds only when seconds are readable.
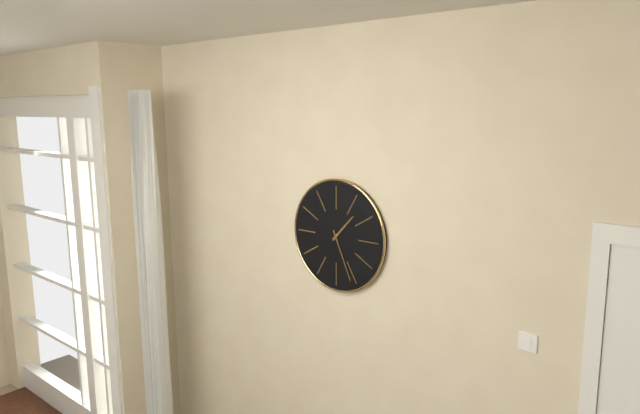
1.26
